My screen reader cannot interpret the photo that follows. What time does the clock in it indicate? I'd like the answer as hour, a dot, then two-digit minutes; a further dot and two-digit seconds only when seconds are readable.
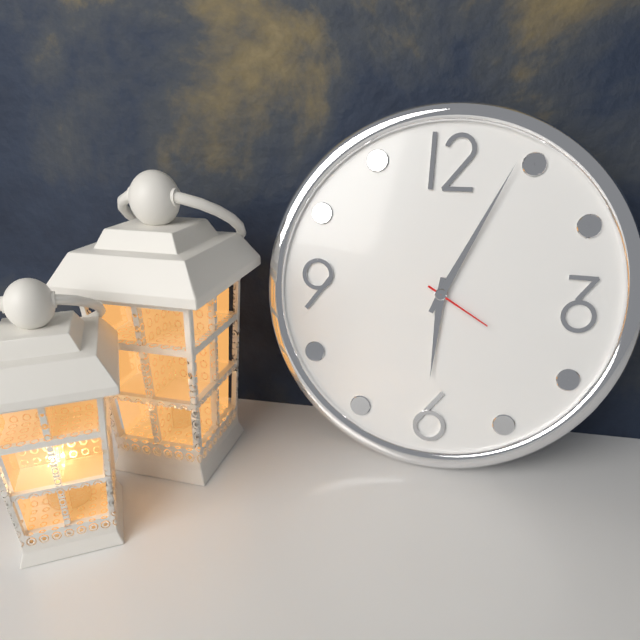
6.04.20
